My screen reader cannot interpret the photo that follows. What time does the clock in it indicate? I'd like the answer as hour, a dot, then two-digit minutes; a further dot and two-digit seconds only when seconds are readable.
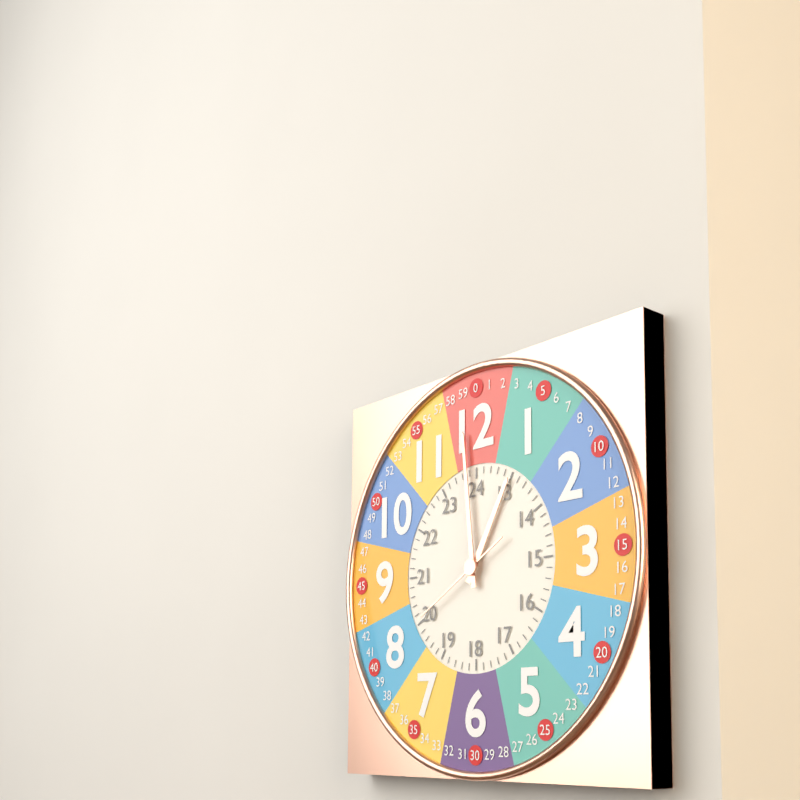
12.59.40
